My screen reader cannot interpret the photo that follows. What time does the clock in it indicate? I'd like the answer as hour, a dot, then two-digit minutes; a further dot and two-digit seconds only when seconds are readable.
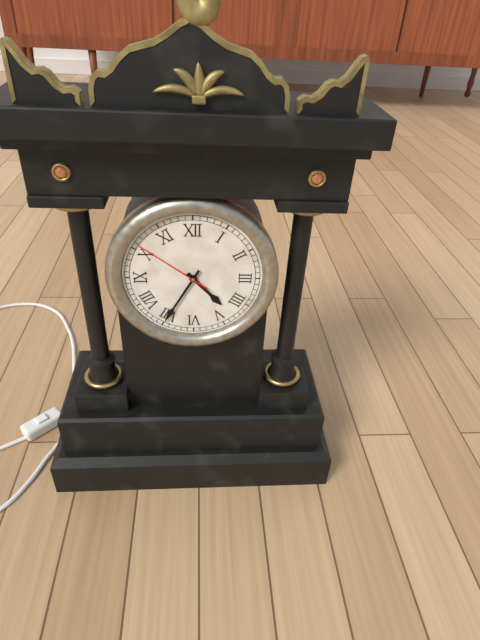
4.35.51
